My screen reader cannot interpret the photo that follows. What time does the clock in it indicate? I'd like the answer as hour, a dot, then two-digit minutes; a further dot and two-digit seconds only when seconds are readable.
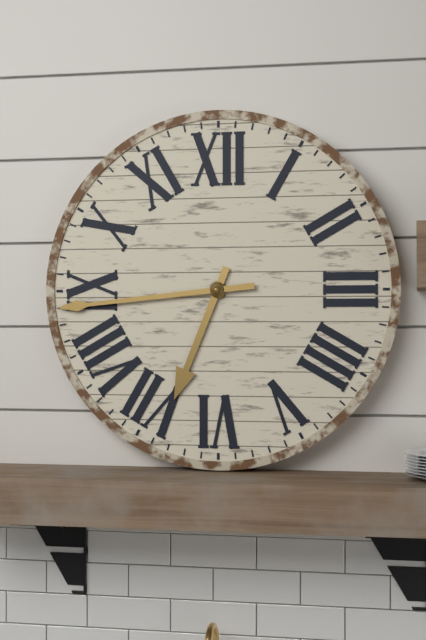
6.44
